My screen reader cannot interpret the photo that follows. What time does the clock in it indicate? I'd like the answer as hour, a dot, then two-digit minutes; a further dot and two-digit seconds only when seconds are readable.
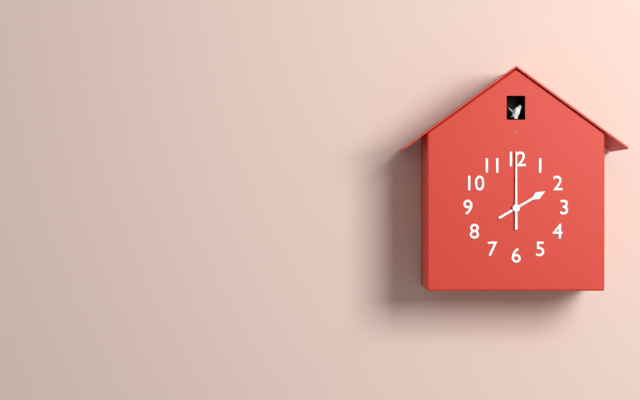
2.00
